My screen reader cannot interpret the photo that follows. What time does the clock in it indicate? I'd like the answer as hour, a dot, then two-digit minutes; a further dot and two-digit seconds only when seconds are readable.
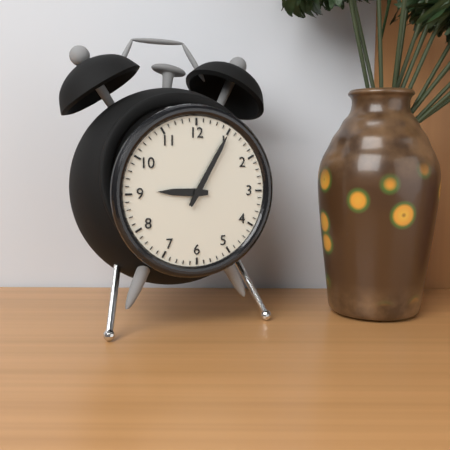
9.05
